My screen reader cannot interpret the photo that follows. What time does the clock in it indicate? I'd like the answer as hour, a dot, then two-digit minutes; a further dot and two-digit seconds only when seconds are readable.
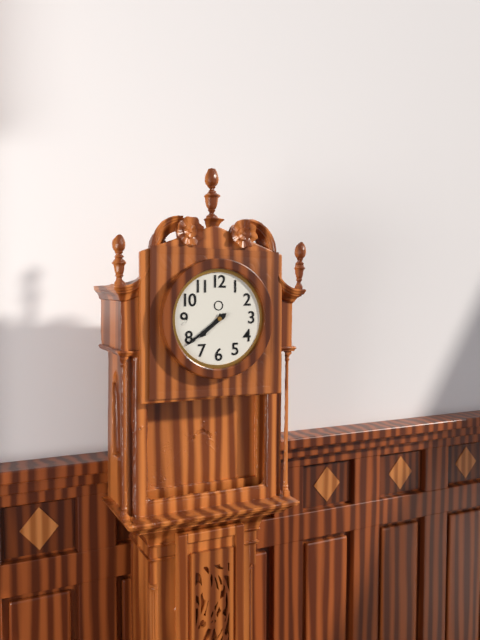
7.39
